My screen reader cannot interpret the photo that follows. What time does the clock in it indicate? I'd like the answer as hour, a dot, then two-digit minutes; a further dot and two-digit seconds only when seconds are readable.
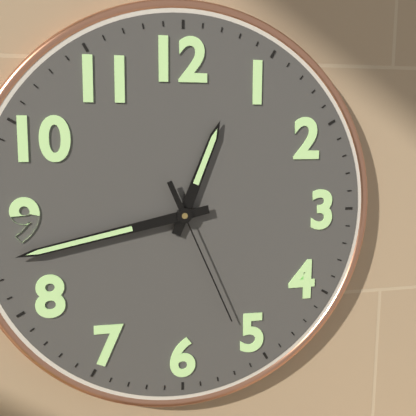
12.43.26
